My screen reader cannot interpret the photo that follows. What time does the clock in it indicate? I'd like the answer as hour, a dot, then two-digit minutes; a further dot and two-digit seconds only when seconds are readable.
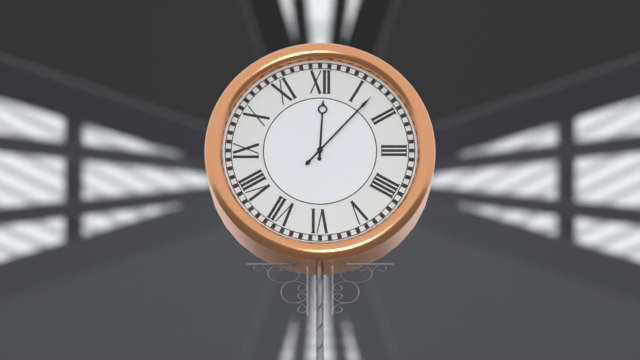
12.07
